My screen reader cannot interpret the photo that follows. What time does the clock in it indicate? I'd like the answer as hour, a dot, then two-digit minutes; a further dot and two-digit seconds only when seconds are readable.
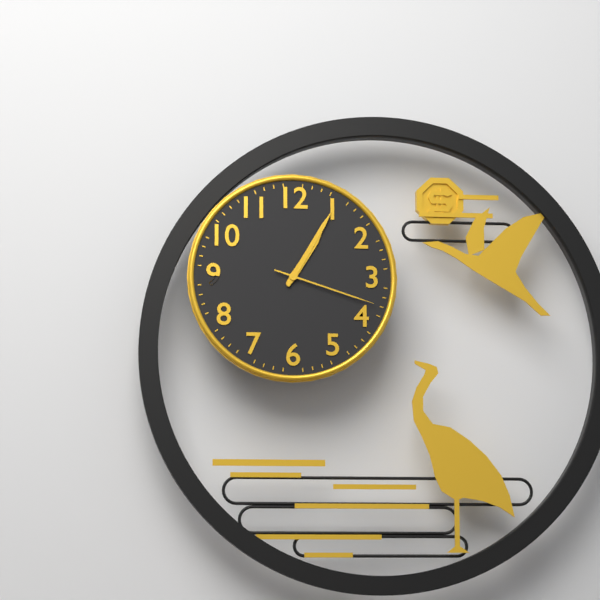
1.05.18
